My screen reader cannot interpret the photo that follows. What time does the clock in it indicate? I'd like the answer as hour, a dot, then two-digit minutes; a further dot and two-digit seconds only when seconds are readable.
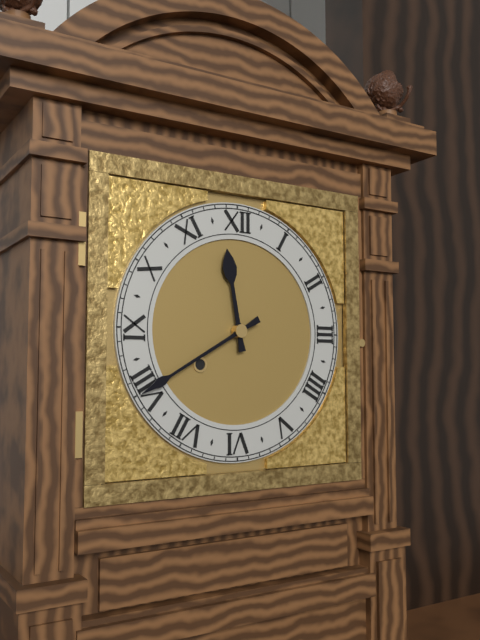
11.40
